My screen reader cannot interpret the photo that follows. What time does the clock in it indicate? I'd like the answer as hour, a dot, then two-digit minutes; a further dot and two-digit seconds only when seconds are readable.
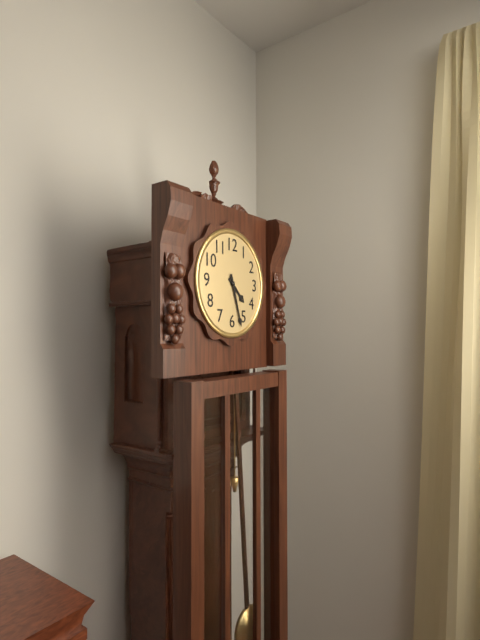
4.27
